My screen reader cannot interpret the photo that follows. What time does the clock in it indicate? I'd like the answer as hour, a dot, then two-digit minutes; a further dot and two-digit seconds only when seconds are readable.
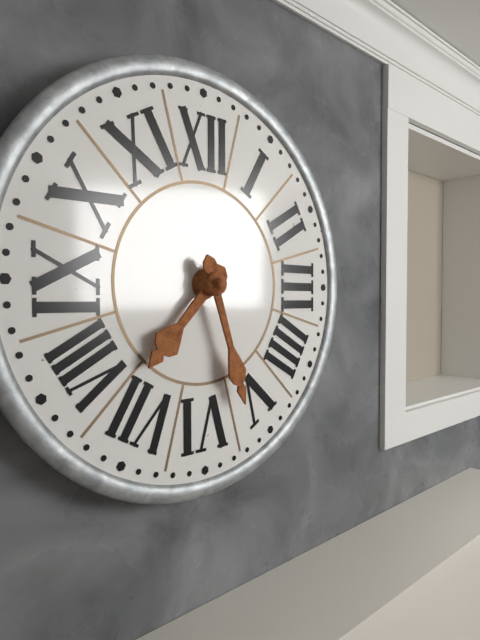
7.27
